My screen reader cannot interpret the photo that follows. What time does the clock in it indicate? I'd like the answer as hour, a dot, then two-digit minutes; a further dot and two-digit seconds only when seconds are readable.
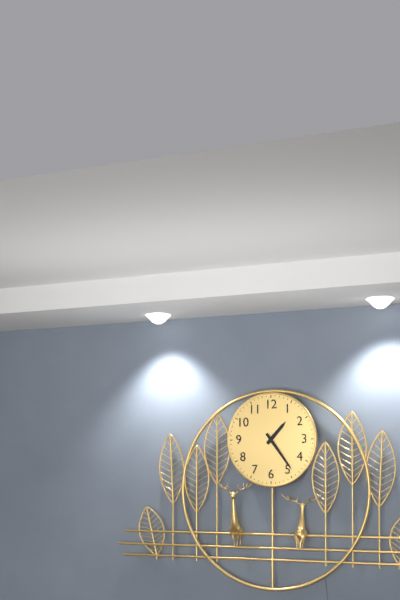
1.24
